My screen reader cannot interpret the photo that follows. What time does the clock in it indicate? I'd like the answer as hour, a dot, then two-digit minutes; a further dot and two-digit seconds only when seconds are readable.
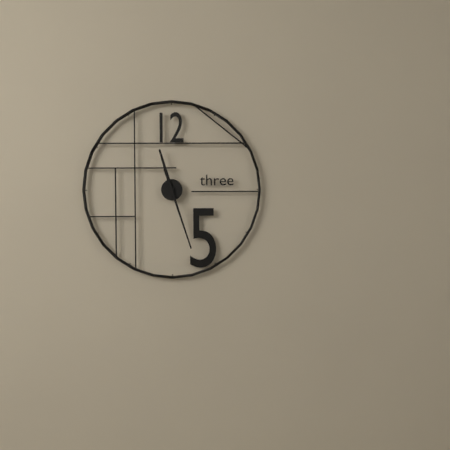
11.27
